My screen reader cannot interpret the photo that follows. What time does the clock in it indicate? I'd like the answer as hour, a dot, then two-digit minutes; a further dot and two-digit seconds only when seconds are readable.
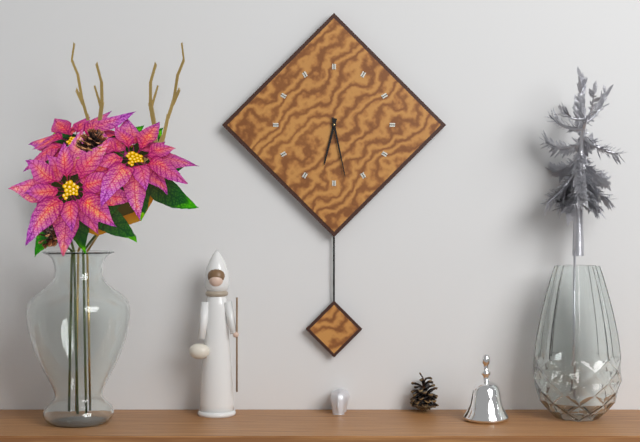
6.28
